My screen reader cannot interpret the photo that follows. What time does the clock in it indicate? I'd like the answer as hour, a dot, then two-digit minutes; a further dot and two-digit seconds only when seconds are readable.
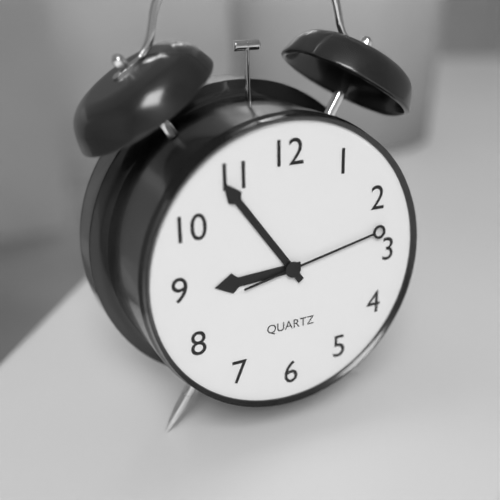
8.54.13
